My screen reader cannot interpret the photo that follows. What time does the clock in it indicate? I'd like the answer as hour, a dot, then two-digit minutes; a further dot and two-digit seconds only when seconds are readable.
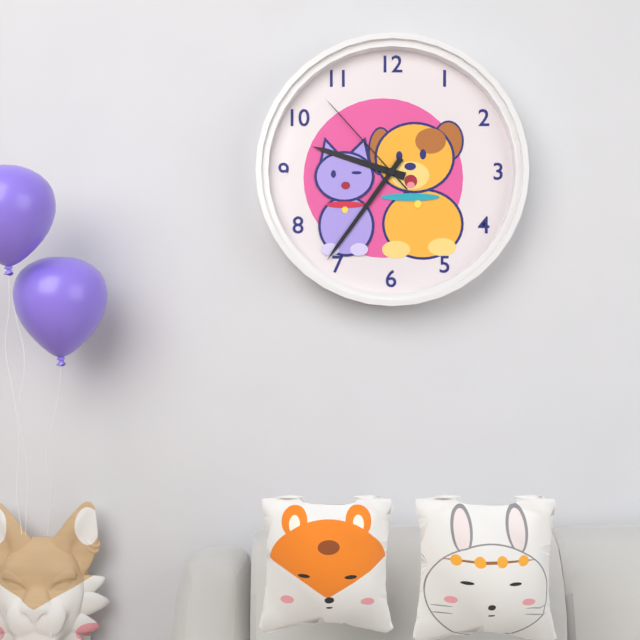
9.36.53
